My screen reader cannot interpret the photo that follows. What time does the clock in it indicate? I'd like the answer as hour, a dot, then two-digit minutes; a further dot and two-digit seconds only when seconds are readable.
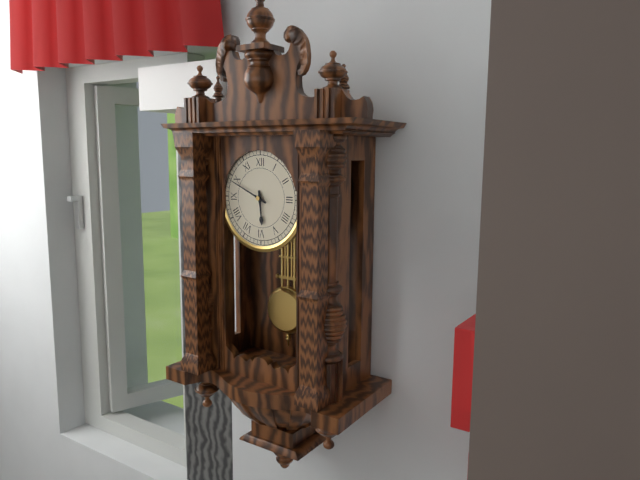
5.49
